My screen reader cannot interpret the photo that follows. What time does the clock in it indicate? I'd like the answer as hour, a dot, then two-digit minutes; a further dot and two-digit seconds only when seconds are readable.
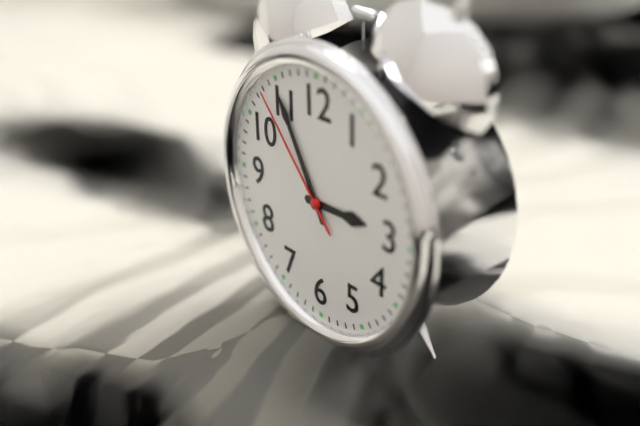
2.55.53
